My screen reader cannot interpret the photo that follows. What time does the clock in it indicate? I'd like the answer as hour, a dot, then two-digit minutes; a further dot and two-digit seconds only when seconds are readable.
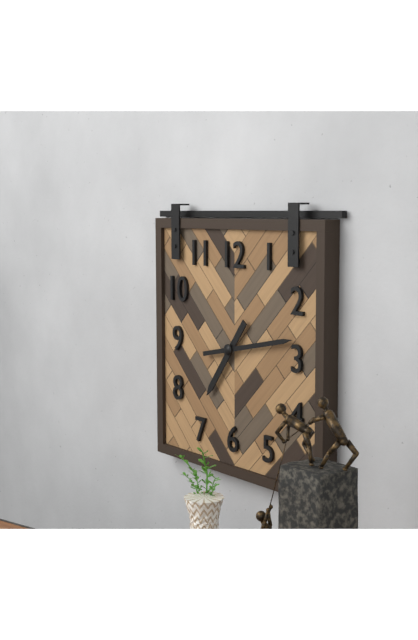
7.13
